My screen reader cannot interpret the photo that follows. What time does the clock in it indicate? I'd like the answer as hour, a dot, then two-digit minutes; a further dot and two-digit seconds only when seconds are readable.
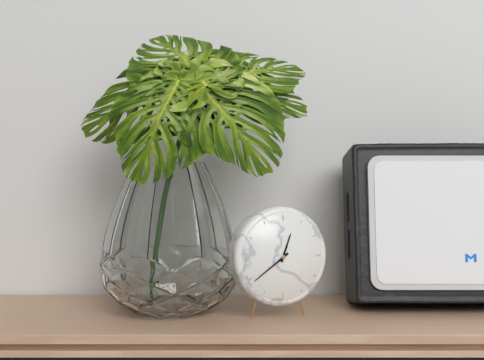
12.39
